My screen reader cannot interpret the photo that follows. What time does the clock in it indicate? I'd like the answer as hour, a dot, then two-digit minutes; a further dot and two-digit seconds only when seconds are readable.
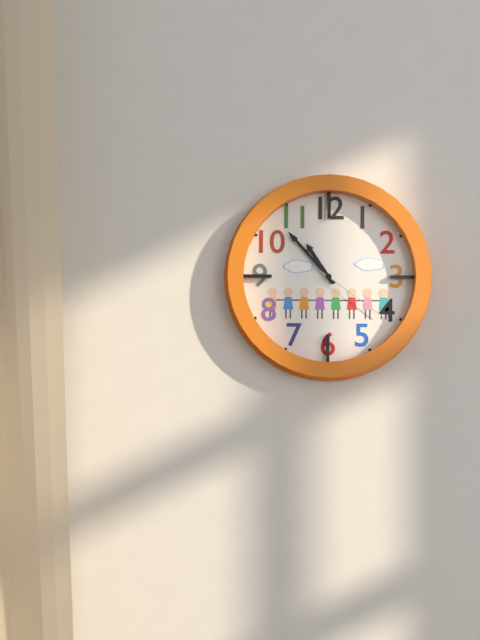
10.53.21
